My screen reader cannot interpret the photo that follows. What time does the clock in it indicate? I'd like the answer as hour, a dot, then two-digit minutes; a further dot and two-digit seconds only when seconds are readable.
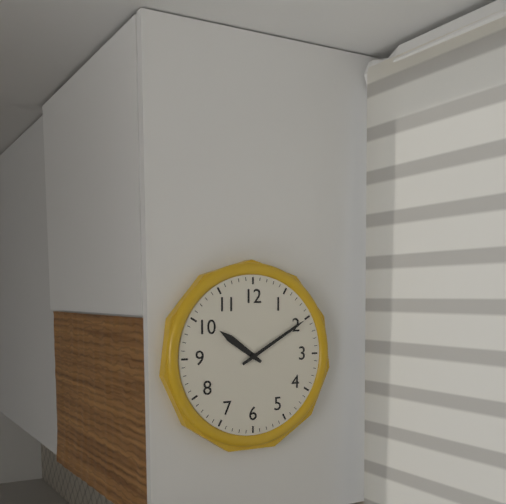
10.10
